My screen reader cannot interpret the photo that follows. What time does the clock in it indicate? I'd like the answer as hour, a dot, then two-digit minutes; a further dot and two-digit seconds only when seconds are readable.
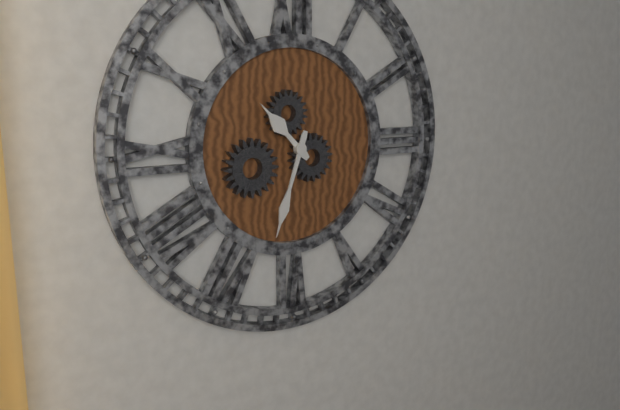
10.33
